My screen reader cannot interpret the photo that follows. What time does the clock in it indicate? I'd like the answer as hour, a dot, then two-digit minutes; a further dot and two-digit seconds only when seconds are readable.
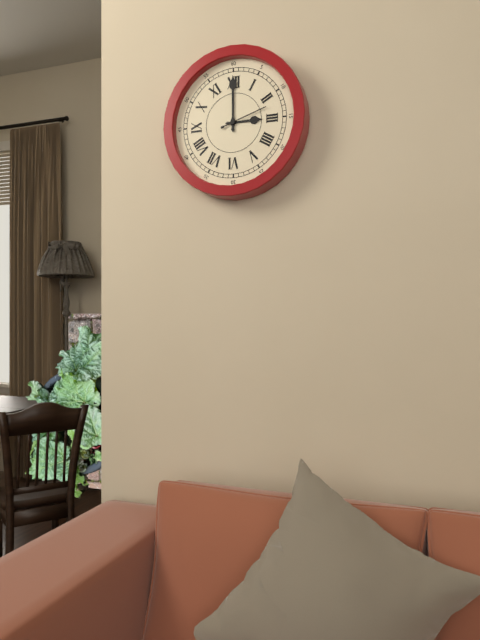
3.00
